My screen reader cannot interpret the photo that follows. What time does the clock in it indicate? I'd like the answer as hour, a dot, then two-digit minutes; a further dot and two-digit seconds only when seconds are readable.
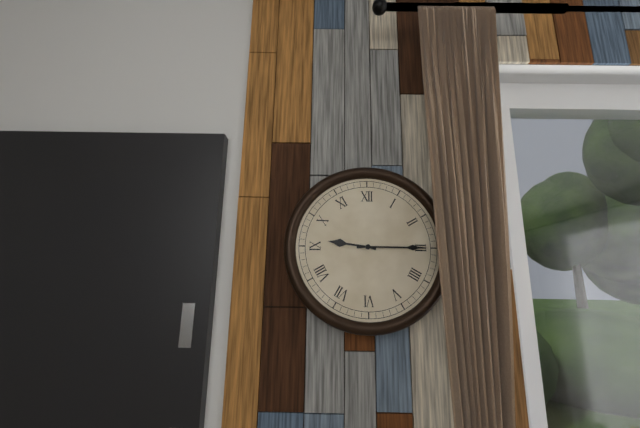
9.15
